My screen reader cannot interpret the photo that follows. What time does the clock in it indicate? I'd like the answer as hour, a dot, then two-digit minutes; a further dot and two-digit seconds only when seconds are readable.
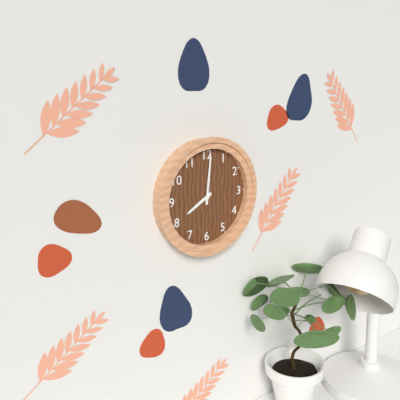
8.01
